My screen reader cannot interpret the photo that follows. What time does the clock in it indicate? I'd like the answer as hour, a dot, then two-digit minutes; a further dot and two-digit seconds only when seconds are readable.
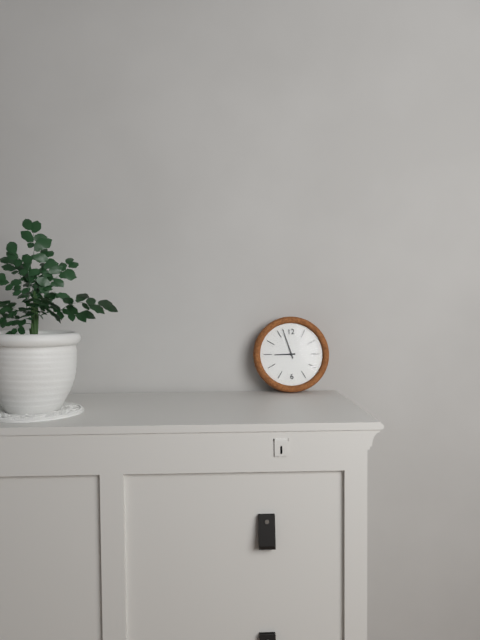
8.57
